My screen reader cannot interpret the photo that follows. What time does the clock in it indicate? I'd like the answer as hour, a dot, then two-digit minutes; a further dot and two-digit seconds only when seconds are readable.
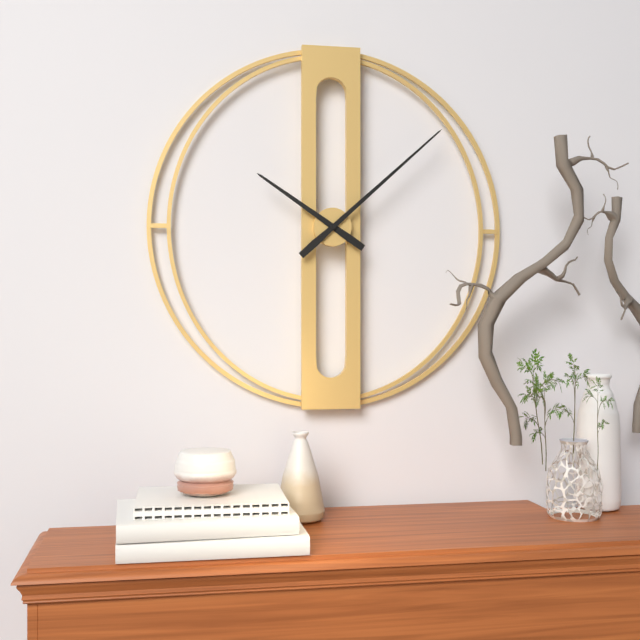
10.08
